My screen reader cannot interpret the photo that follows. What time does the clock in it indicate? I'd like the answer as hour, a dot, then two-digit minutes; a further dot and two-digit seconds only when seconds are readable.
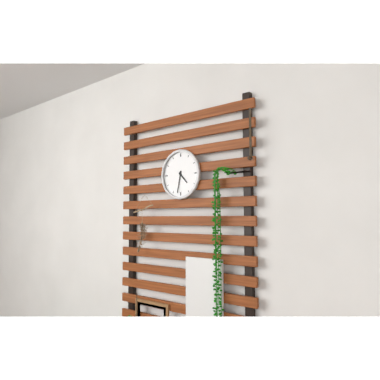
4.32
